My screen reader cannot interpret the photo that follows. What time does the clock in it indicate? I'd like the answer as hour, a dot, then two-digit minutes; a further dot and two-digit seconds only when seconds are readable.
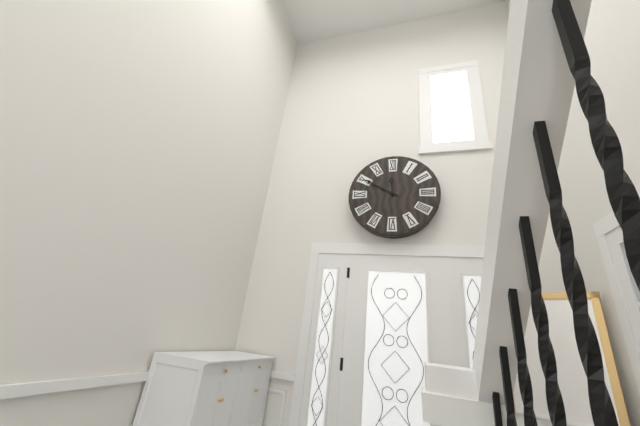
11.50
